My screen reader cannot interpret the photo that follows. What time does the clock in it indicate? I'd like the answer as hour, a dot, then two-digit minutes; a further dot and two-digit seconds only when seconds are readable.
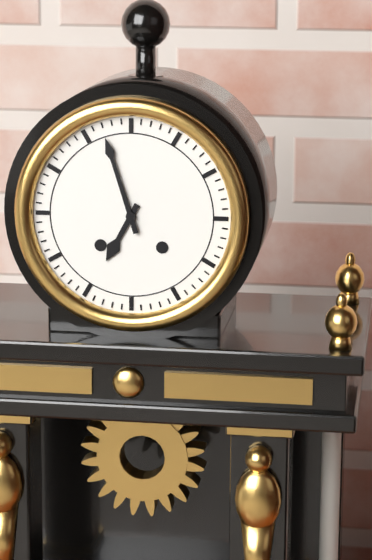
6.57
